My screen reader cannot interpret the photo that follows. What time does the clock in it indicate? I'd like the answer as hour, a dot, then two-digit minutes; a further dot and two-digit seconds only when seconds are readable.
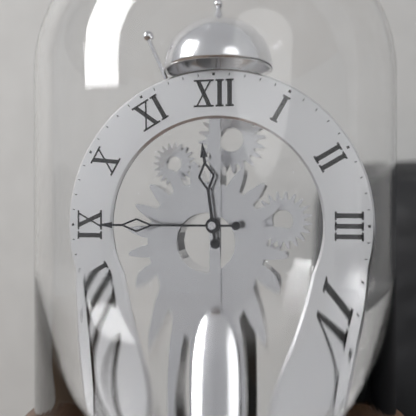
11.45
